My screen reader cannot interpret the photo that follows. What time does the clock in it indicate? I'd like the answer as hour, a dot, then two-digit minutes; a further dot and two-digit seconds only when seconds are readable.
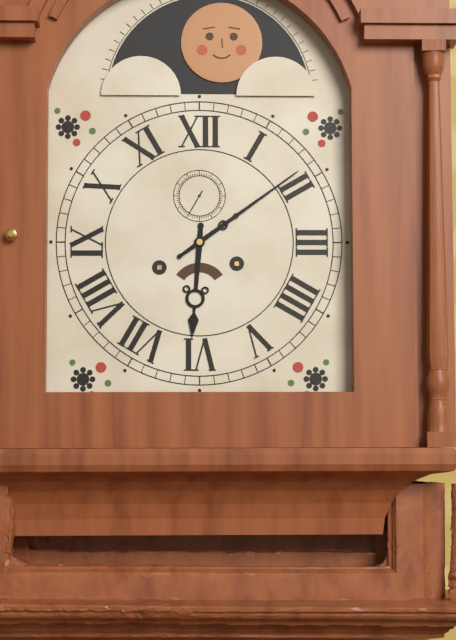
6.09
